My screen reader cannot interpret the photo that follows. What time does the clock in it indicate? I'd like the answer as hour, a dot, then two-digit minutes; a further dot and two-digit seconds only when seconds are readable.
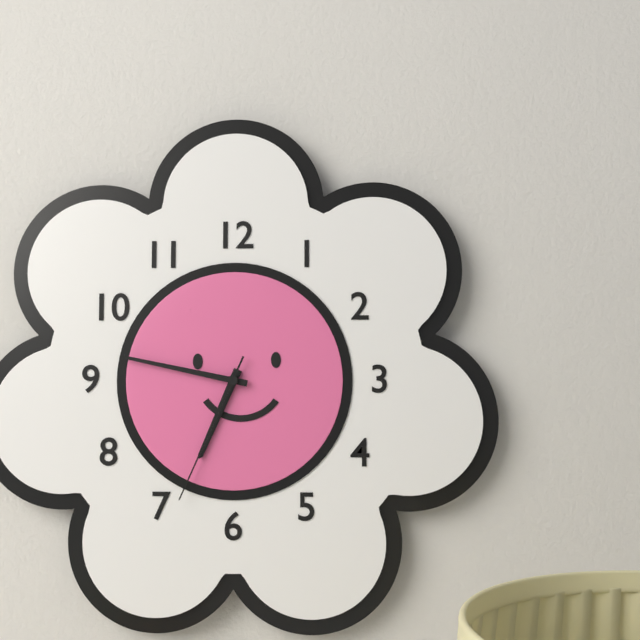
6.47.34
